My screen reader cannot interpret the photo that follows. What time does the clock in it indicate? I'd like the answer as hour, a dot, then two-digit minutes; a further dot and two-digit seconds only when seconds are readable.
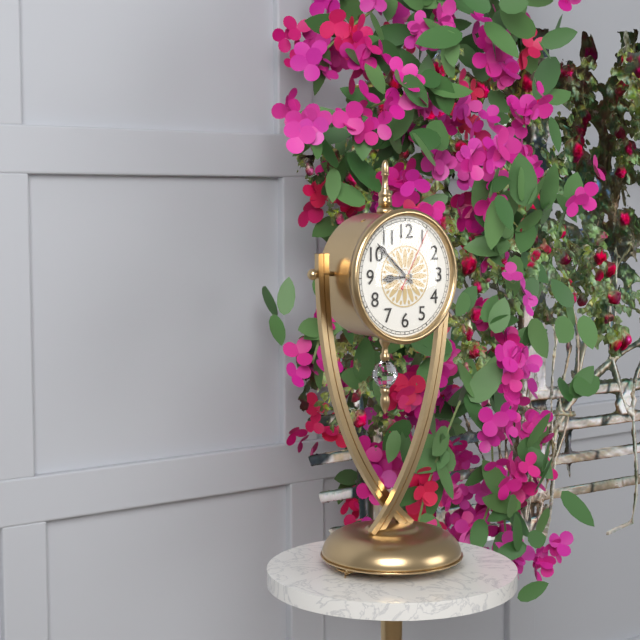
8.52.05
